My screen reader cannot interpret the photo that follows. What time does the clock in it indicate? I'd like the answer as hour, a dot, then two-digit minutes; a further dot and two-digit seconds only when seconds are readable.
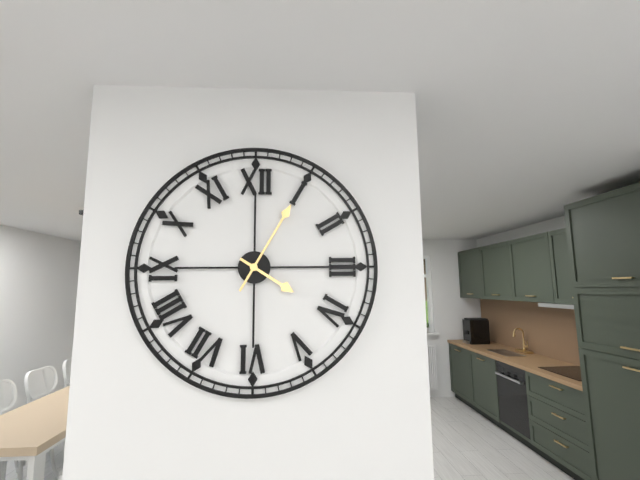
4.05
